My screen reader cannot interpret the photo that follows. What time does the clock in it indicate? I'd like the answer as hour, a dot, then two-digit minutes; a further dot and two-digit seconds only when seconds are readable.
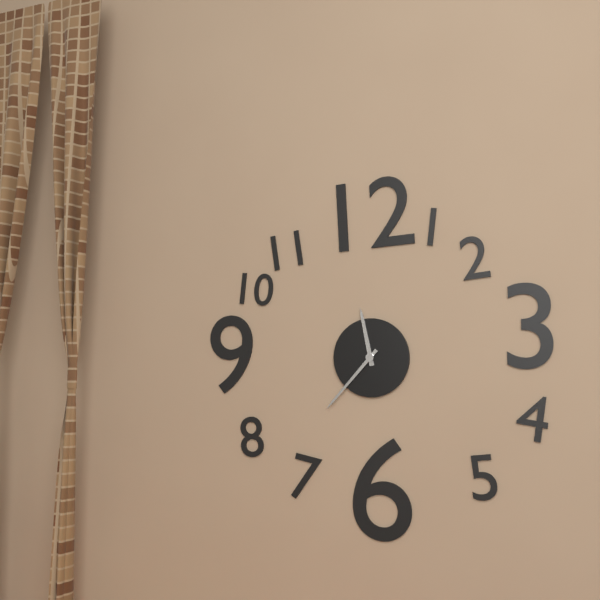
11.37
